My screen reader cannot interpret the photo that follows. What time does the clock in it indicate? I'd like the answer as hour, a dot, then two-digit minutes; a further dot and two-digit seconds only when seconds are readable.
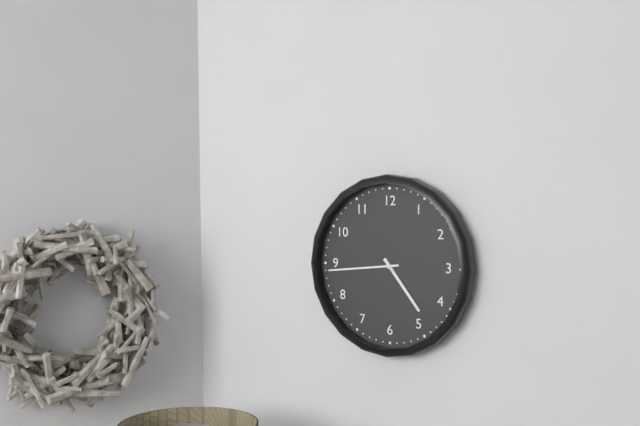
4.44
